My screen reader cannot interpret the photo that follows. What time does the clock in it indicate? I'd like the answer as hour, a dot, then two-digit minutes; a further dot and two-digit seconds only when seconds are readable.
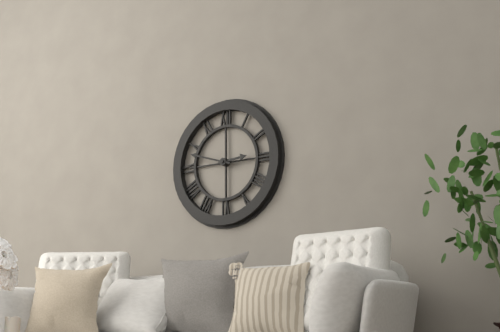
2.48
